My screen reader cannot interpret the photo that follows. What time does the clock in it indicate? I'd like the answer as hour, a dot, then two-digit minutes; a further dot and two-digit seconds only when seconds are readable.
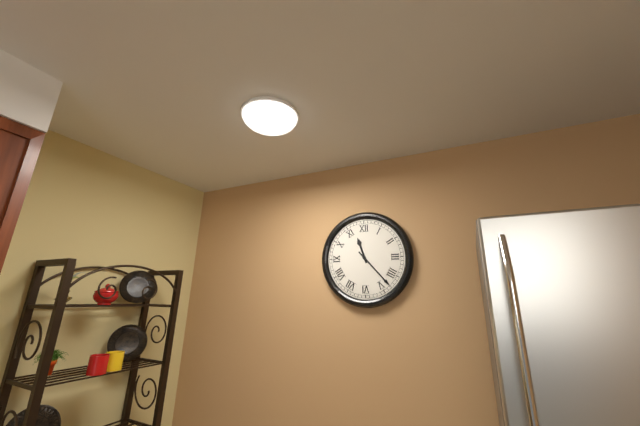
11.23
